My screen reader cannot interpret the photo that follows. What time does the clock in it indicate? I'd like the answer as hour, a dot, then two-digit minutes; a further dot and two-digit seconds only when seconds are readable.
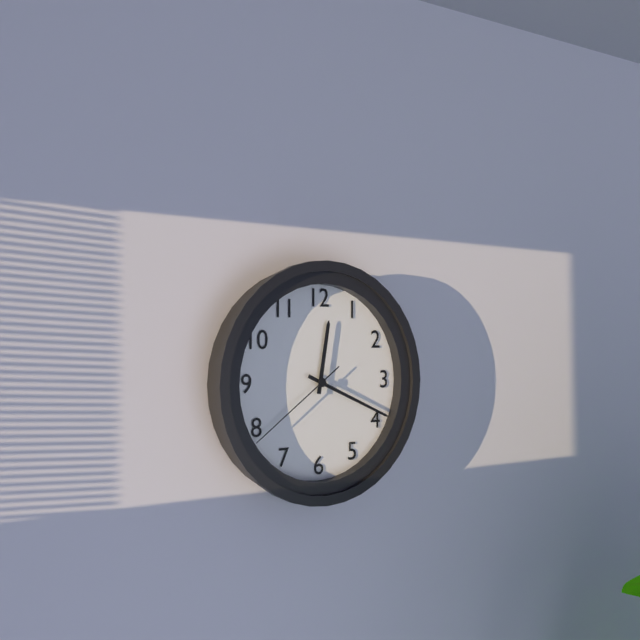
12.19.39
